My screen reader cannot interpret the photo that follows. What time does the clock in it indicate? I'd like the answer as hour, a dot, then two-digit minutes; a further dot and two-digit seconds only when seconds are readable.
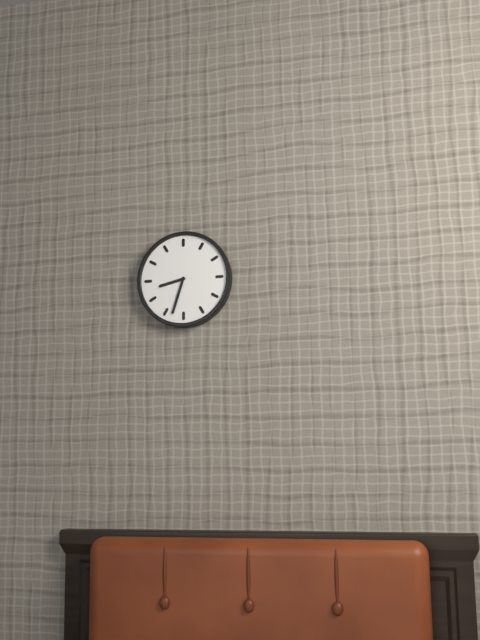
8.33
